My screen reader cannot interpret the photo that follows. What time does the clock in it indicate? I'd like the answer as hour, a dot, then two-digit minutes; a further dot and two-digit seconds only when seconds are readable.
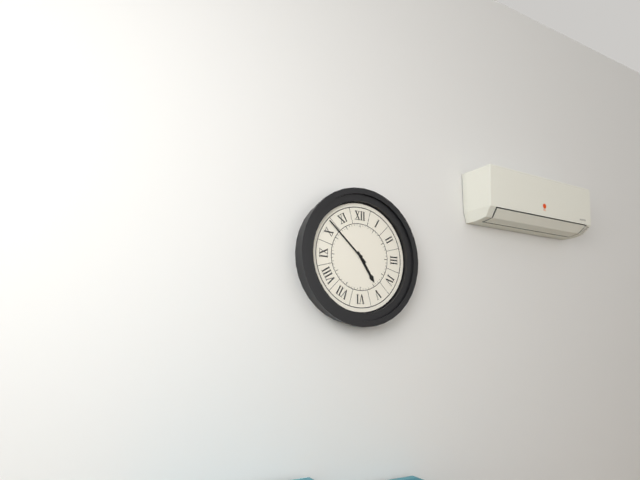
4.52
